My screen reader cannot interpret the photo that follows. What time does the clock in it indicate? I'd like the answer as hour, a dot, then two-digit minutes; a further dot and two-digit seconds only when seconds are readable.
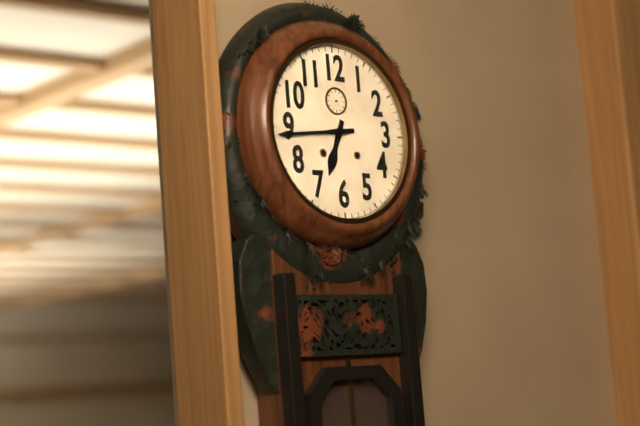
6.44
